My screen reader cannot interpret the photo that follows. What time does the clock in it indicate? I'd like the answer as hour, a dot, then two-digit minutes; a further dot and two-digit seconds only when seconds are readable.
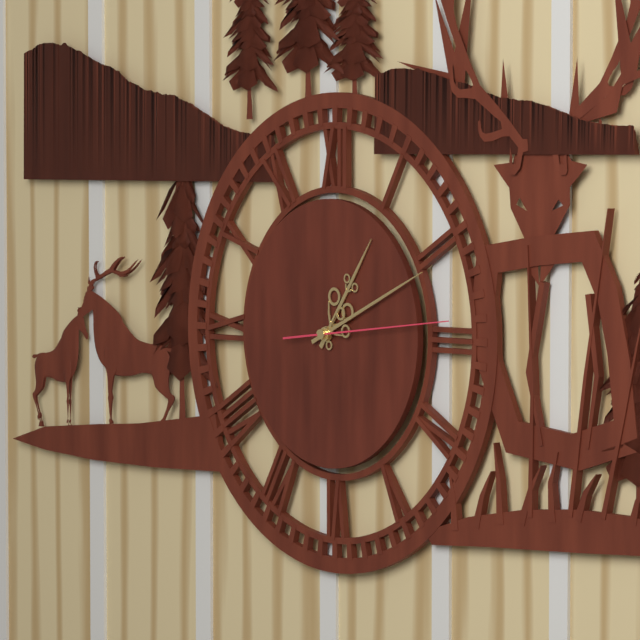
1.11.14
